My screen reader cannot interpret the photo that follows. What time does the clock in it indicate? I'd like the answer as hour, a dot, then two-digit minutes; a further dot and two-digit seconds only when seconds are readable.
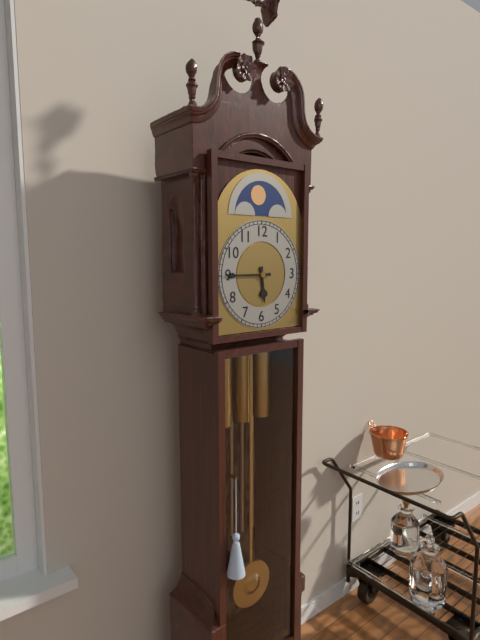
5.45
